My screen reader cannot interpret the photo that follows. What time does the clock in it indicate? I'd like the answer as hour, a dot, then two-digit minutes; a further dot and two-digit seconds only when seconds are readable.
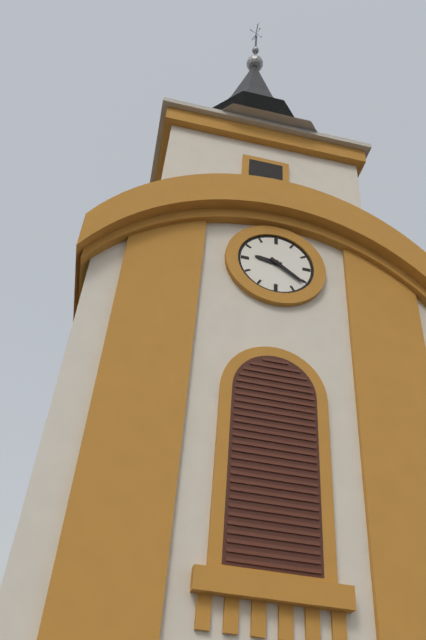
9.21
